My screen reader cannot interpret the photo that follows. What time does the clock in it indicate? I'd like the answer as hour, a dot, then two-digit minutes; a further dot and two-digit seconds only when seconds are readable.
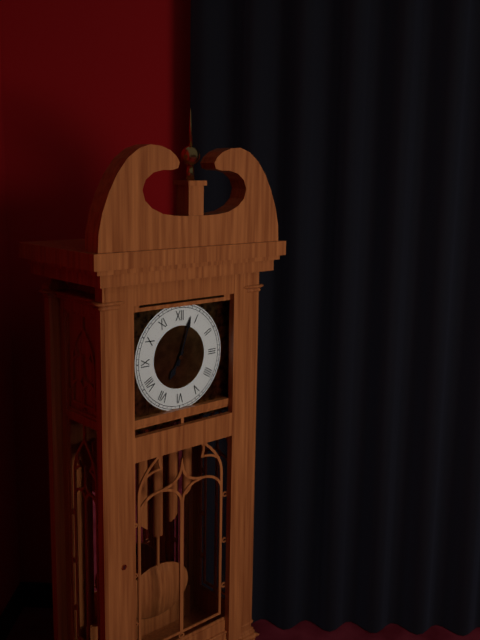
7.03
